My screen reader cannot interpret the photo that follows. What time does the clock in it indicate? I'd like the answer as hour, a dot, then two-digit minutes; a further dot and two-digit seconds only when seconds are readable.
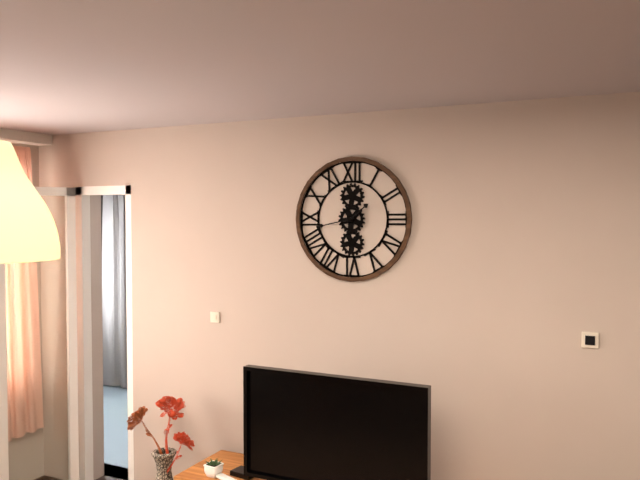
1.43
